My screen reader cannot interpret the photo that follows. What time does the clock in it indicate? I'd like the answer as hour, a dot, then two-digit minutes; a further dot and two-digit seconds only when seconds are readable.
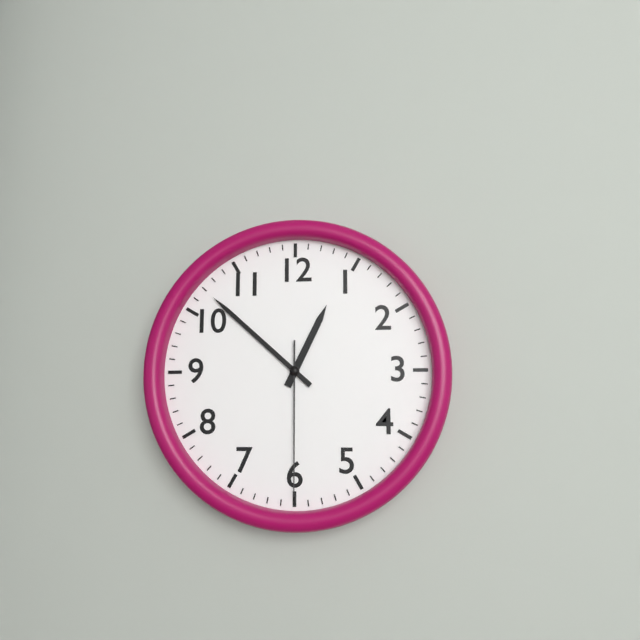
12.52.30
